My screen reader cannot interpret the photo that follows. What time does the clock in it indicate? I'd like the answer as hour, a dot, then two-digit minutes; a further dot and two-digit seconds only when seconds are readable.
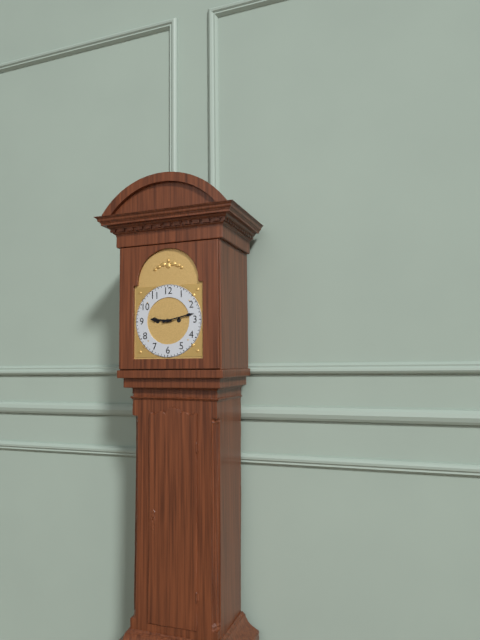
9.13
